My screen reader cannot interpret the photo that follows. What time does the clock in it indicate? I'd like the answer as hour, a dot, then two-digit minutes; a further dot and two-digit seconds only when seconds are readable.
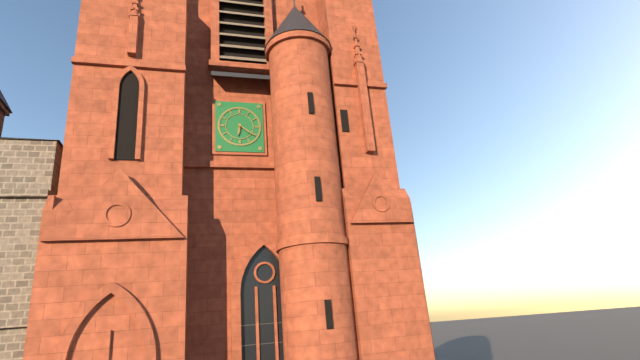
6.21
